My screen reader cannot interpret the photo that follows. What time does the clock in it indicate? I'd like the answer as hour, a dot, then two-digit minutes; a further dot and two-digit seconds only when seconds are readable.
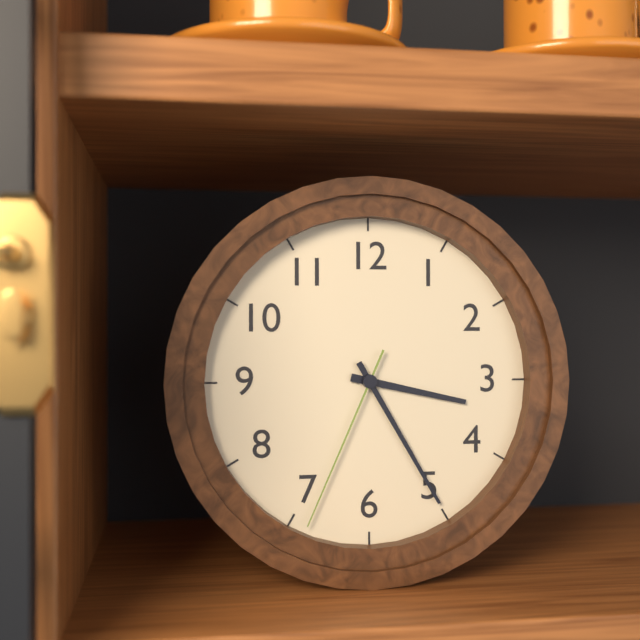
3.25.34
